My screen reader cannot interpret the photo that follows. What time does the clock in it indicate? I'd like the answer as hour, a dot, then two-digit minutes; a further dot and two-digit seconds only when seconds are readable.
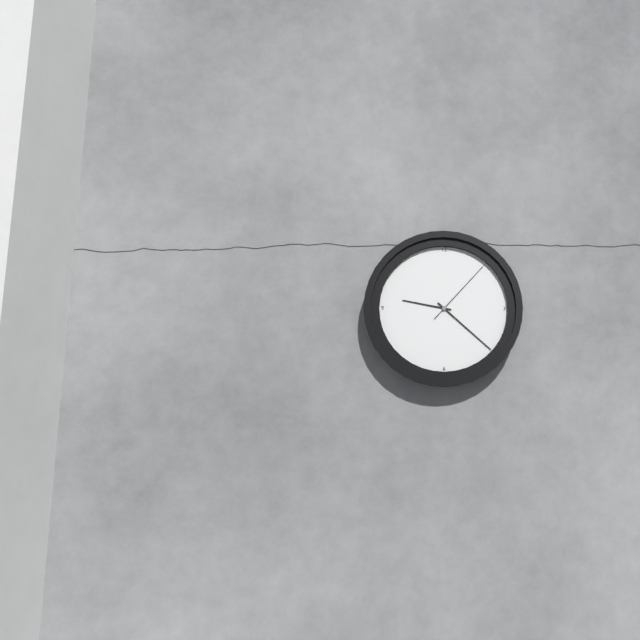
9.22.07
